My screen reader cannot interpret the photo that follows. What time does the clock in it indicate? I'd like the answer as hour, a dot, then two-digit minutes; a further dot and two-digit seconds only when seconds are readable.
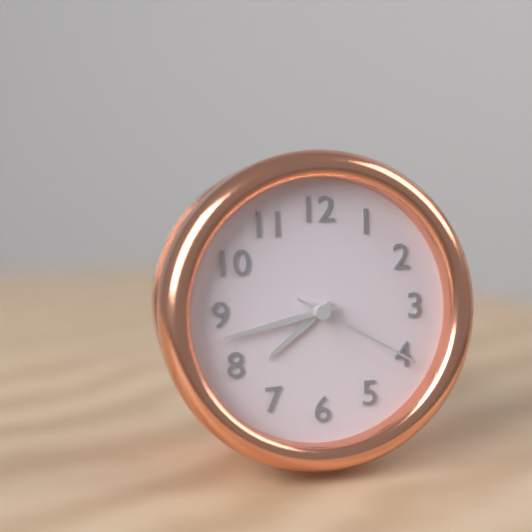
7.43.20
